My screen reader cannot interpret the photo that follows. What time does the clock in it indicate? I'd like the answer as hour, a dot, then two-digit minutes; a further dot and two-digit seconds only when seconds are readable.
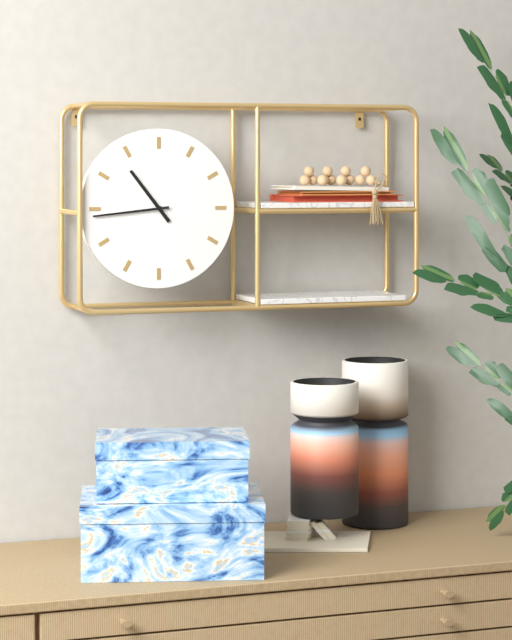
10.44
